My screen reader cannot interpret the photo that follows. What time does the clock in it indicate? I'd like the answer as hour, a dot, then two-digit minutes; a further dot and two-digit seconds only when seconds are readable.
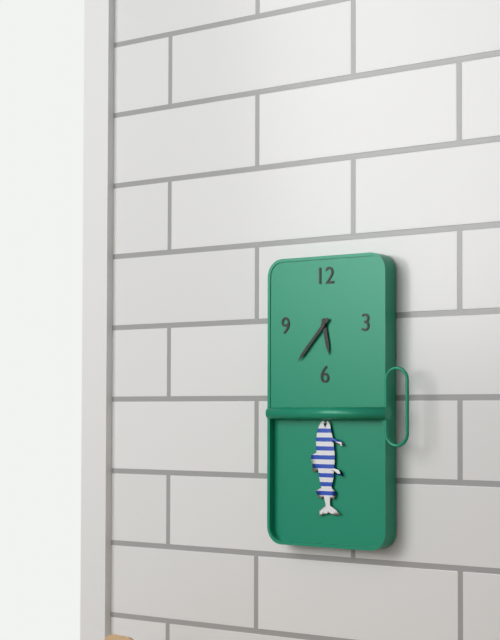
5.37
